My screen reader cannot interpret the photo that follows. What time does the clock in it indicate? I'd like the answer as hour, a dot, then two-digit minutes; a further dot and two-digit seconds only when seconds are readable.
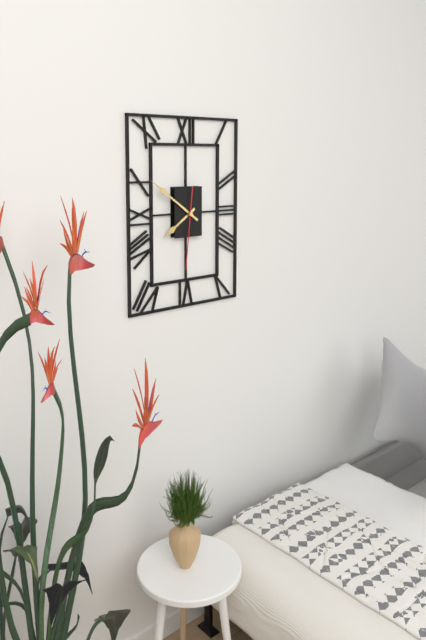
7.51.31
